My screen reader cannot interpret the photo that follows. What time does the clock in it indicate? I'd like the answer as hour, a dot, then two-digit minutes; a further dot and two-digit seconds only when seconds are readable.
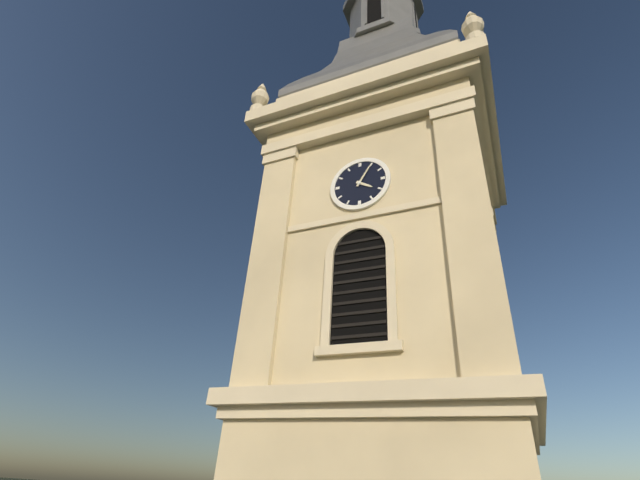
4.05
